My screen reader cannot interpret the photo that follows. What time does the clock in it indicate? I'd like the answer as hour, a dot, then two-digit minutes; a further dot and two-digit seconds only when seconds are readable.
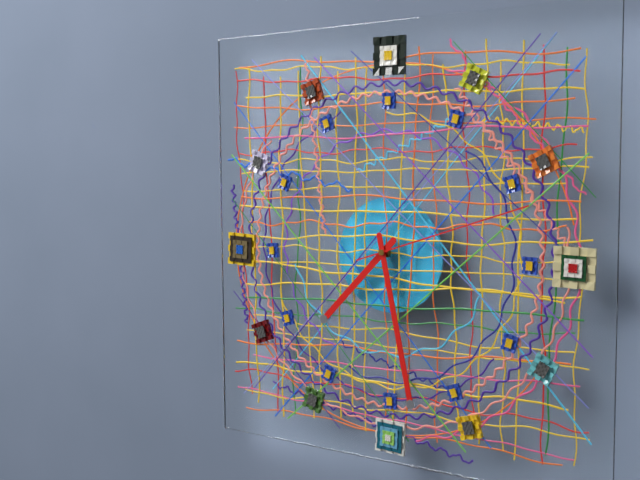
7.28.12
